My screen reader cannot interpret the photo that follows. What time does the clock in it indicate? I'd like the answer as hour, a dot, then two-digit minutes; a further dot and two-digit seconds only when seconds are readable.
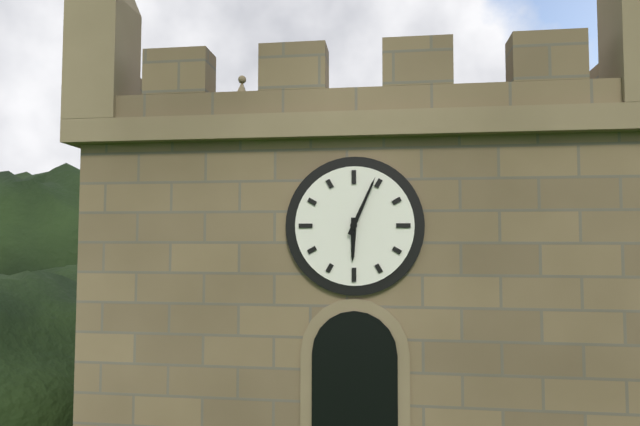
6.04
